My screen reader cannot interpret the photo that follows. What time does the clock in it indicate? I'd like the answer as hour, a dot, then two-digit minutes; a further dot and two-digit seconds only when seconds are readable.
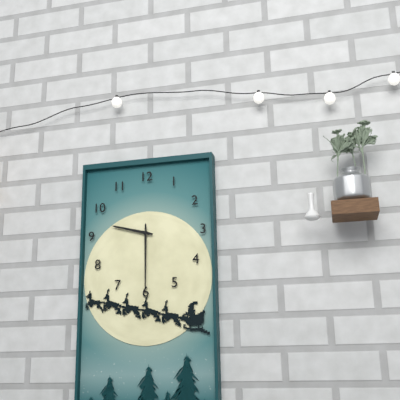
9.30
